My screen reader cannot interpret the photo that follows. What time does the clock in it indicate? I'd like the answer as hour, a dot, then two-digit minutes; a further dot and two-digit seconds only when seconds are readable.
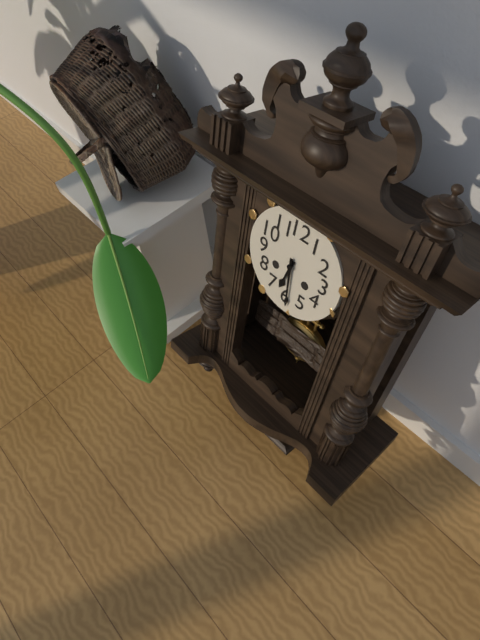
6.29
